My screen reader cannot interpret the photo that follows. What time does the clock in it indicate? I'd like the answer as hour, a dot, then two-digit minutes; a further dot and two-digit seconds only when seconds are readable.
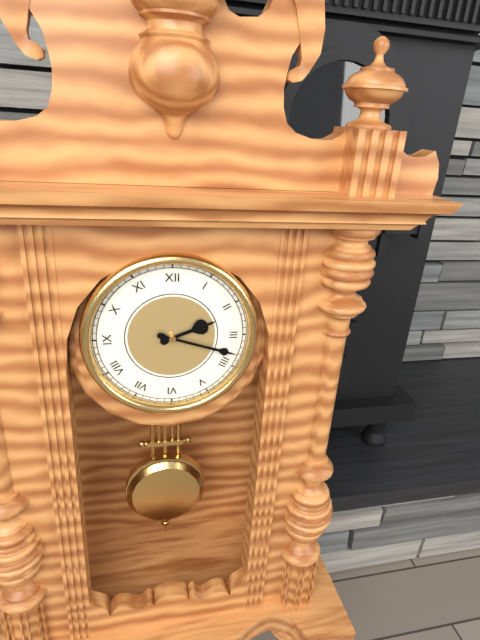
2.18
